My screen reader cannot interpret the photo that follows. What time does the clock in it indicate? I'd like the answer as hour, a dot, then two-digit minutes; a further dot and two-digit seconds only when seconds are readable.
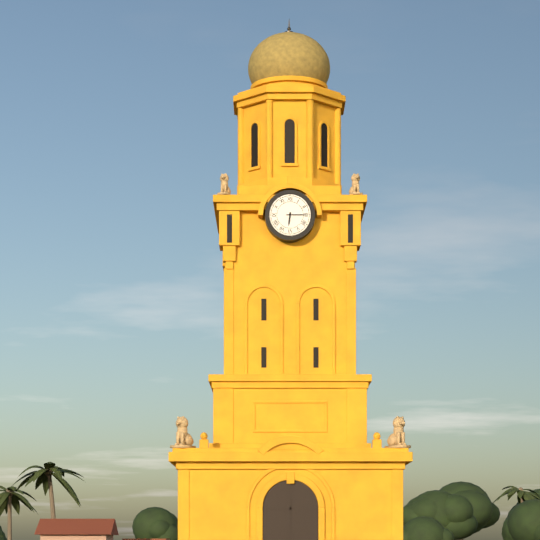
6.15
